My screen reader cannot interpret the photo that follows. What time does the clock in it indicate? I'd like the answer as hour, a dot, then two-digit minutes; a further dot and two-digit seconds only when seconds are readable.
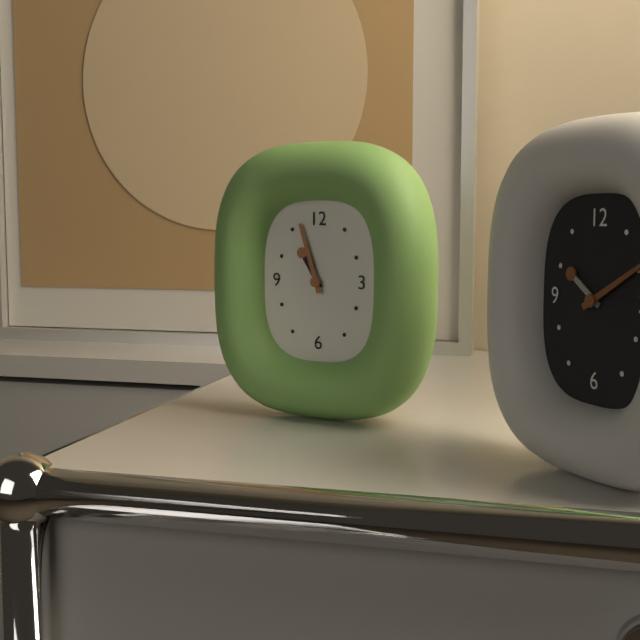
10.57
